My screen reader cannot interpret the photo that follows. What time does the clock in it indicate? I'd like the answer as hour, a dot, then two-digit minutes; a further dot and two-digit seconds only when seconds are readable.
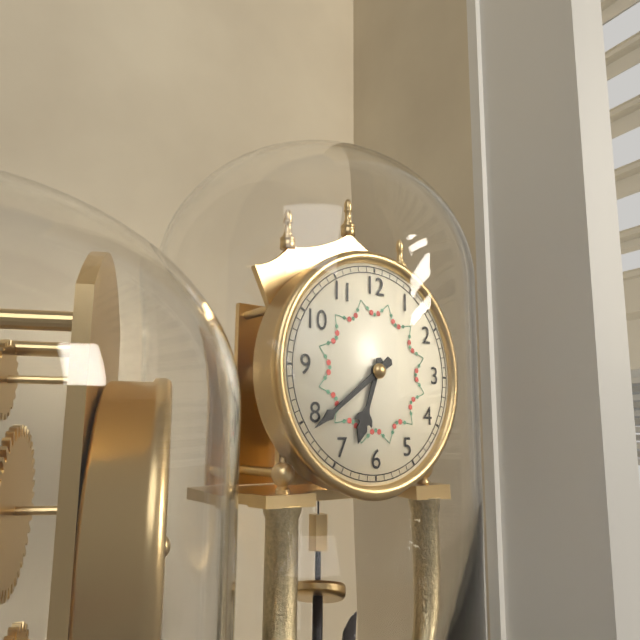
6.39
